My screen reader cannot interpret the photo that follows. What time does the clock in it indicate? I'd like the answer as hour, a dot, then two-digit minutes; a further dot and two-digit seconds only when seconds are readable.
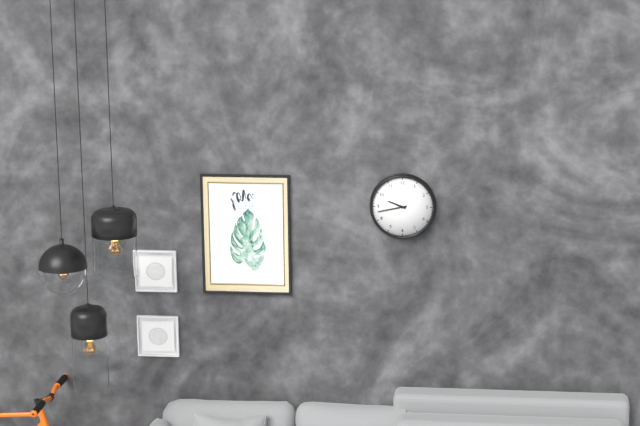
9.43
